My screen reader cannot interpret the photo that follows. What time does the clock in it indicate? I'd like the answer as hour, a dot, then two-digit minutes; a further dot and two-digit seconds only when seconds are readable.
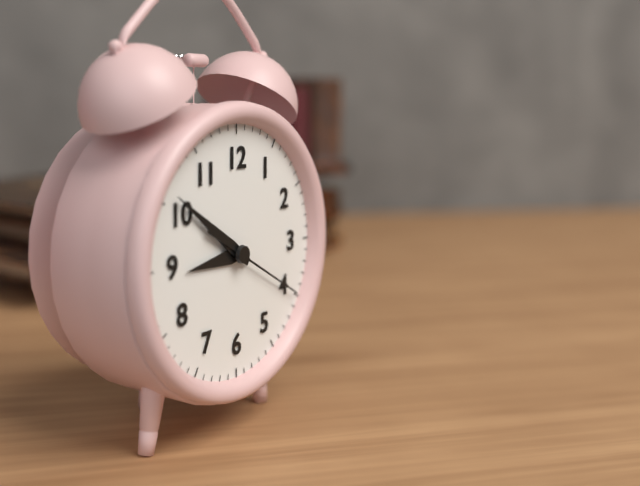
8.51.20
